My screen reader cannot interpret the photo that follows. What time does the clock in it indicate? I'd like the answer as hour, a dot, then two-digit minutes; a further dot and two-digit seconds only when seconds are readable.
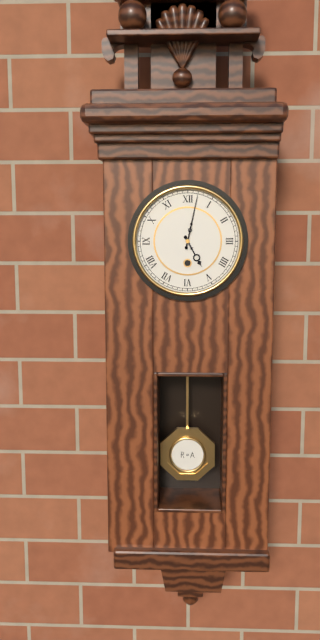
5.02
